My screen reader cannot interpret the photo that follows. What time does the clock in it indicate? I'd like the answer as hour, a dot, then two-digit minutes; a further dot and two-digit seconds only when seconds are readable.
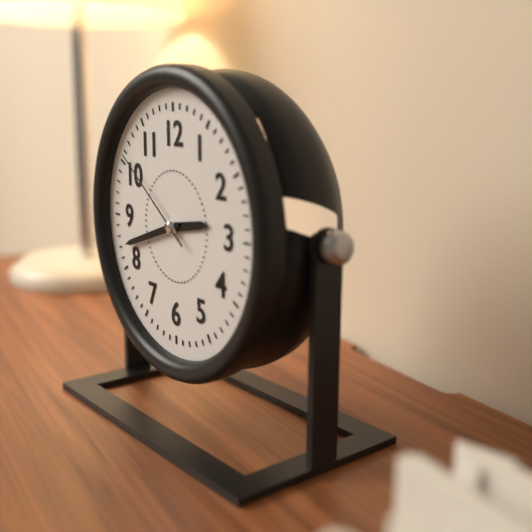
2.42.51
